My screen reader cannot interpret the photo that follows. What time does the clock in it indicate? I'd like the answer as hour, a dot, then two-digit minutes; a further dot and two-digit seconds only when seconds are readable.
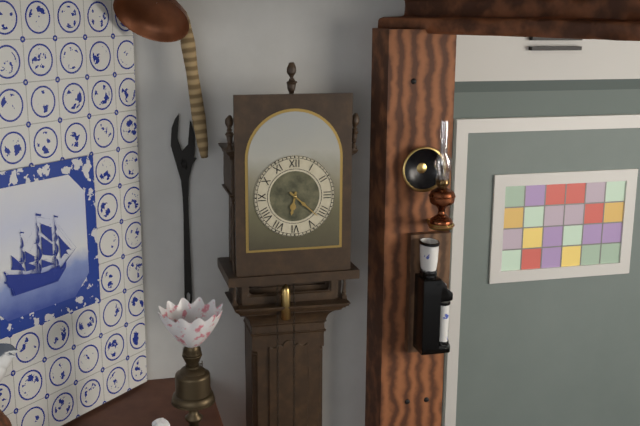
6.22
